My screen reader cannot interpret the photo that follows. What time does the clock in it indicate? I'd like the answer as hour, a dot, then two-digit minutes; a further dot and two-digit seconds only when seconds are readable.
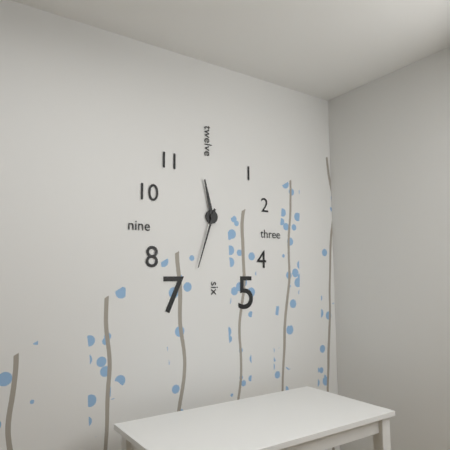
11.33
